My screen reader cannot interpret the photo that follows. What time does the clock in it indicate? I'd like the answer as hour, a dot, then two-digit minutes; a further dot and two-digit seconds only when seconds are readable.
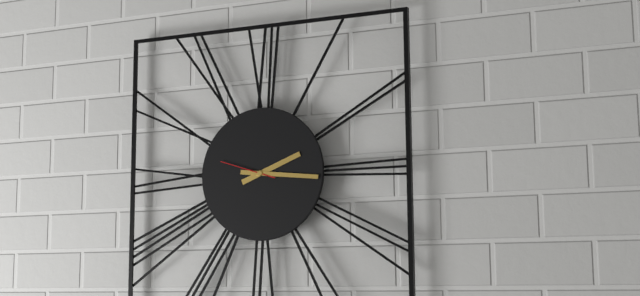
2.16.48
